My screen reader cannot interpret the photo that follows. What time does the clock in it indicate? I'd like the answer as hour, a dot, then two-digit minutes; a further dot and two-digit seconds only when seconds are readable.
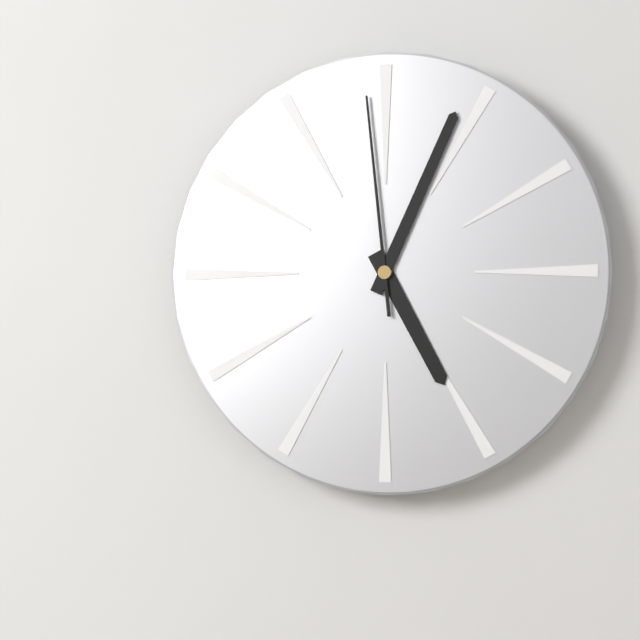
5.04.59
